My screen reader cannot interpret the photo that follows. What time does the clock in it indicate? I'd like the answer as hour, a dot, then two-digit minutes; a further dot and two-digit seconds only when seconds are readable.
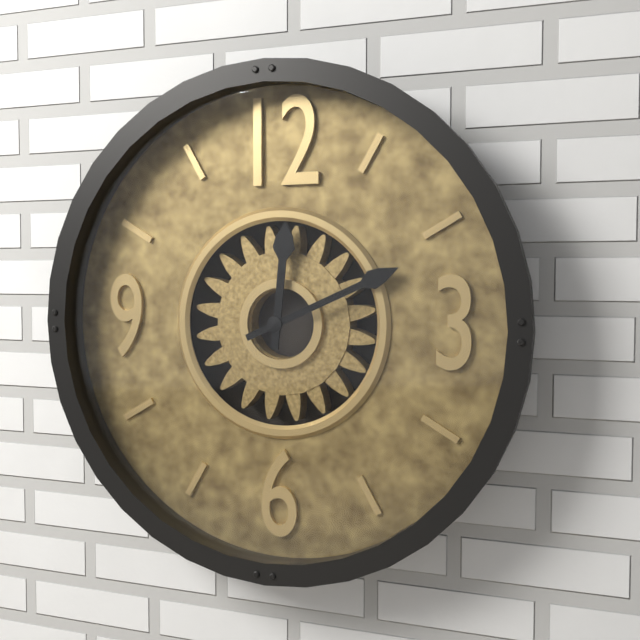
12.11
